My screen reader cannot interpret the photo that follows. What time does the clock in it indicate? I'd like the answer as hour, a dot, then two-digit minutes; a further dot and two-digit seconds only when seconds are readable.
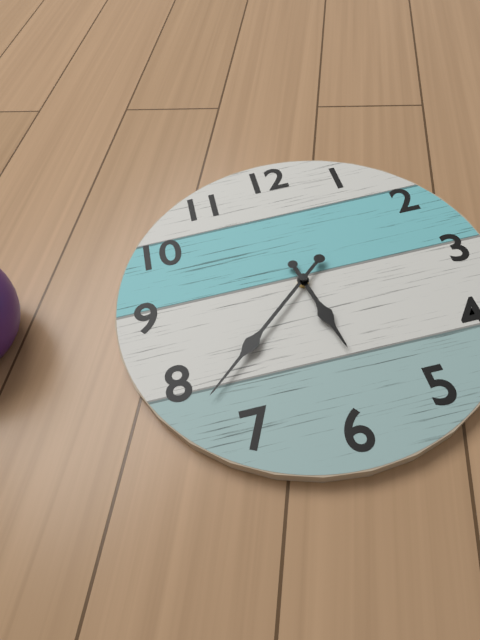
5.38
